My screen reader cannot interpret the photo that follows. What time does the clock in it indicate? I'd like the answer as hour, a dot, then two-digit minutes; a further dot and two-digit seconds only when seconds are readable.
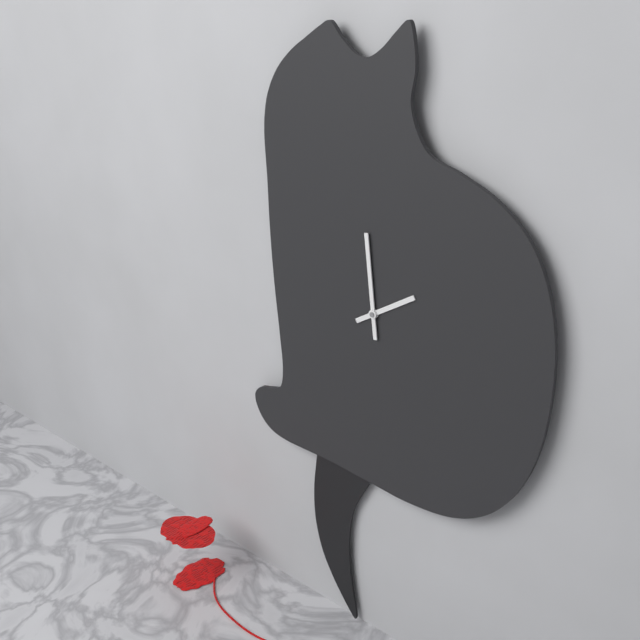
1.59
